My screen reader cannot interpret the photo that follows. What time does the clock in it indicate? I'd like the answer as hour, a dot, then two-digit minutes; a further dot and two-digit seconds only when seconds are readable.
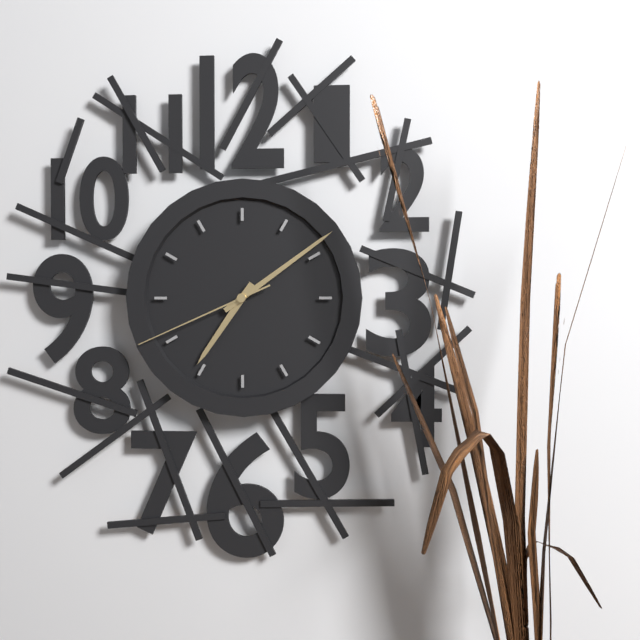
7.09.41
